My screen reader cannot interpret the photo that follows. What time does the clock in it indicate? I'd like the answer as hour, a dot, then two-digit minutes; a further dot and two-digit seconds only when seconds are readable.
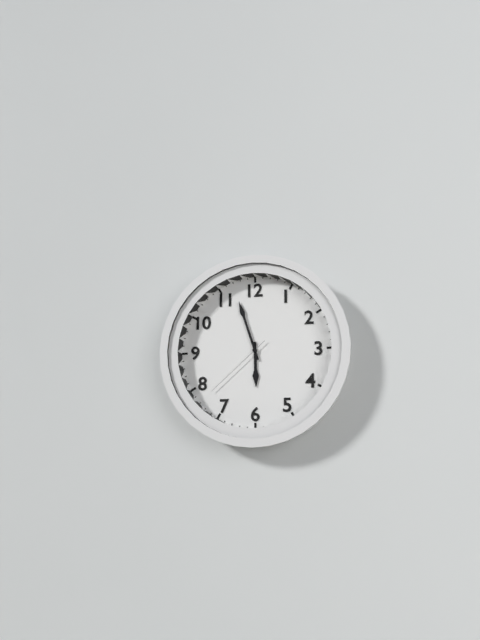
5.57.38
